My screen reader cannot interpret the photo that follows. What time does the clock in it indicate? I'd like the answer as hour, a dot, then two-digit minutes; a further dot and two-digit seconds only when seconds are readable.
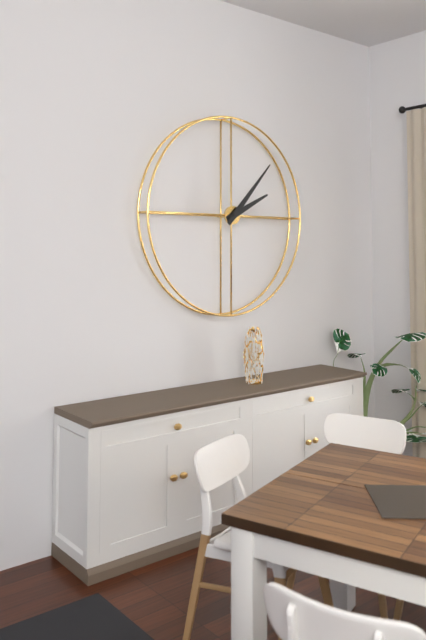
2.07
